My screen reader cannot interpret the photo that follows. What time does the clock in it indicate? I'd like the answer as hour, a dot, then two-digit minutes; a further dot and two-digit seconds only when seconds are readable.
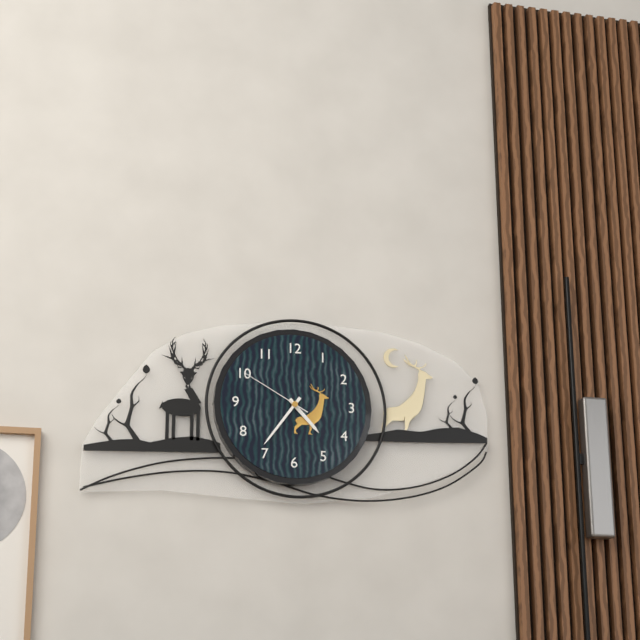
4.36.50
